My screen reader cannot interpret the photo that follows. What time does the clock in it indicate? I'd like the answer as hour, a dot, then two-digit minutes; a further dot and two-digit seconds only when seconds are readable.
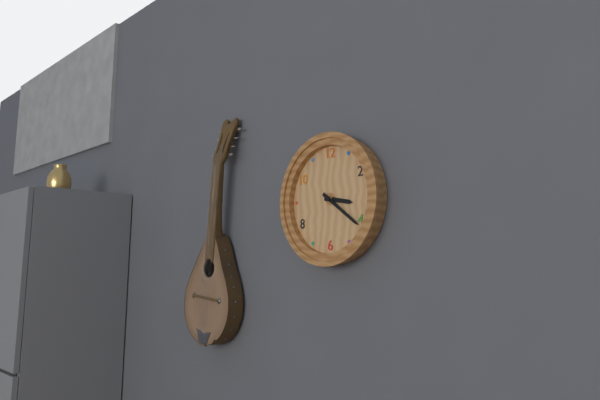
3.21
